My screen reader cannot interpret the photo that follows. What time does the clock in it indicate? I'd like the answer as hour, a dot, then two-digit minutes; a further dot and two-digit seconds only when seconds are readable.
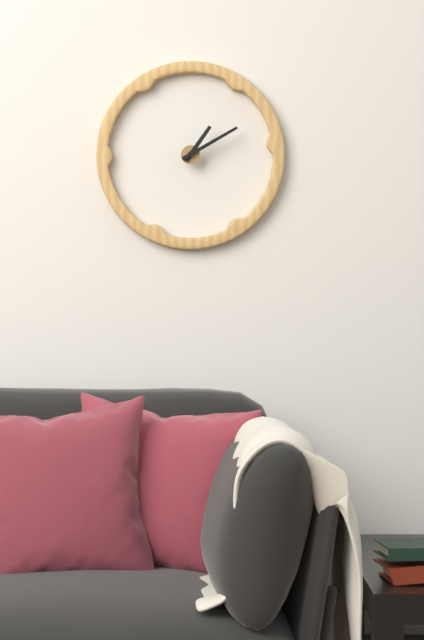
1.10
